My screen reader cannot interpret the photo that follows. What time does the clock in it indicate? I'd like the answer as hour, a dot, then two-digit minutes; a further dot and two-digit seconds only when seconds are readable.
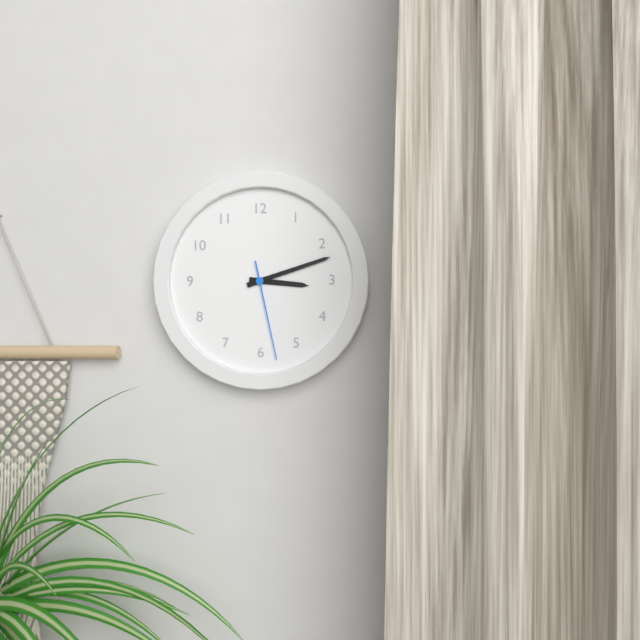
3.12.28
